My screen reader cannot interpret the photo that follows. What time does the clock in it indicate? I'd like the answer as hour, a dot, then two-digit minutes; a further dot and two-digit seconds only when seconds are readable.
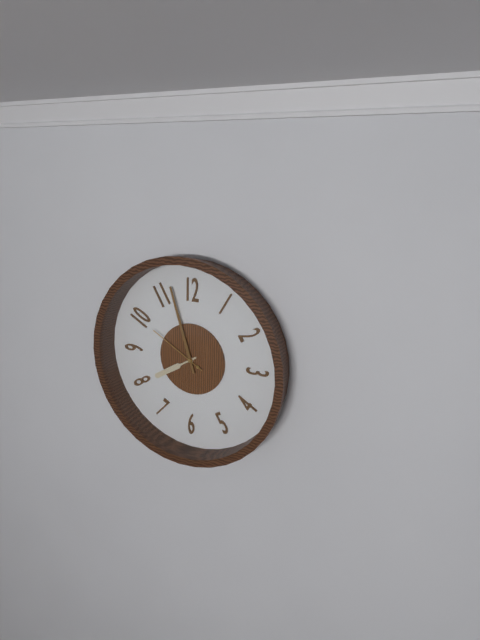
7.57.50
